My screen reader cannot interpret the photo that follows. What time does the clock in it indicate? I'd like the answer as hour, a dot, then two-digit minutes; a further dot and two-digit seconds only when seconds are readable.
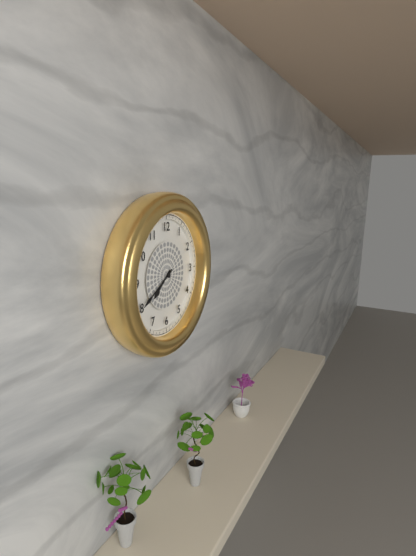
7.40
